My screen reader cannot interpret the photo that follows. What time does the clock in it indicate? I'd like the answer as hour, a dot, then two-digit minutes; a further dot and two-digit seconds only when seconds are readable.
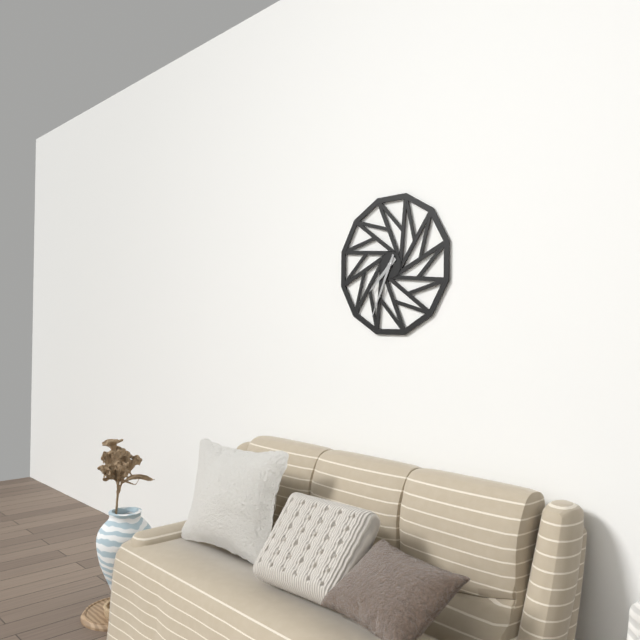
7.34
